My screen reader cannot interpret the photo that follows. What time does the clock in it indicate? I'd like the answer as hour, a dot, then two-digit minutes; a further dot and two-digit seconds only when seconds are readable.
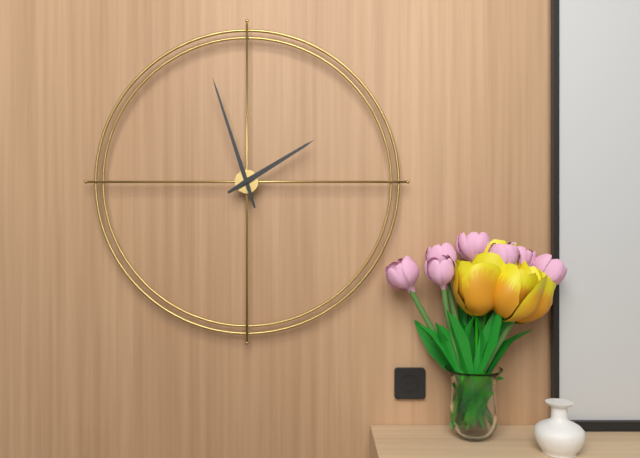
1.57
